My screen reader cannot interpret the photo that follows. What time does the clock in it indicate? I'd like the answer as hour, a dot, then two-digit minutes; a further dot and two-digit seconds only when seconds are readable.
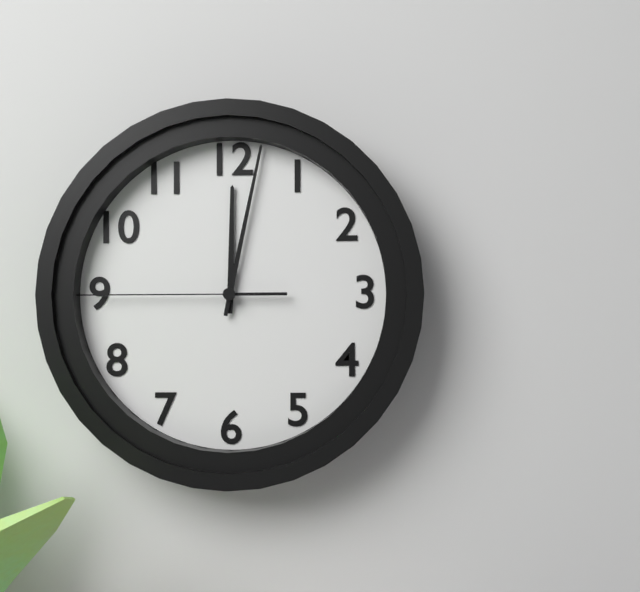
12.02.45
